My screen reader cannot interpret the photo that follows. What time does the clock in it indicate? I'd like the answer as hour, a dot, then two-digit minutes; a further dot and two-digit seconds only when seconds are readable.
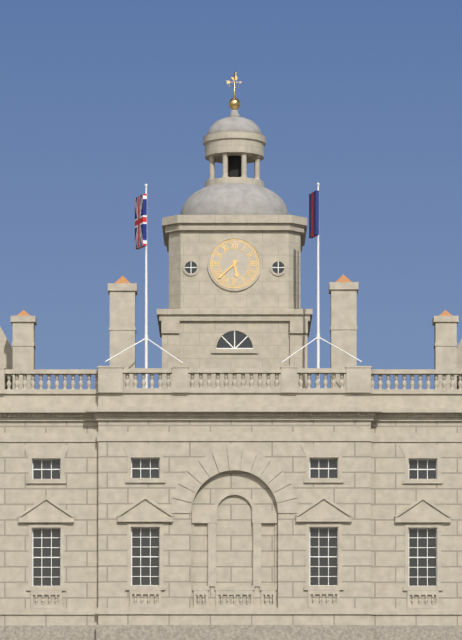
5.38
